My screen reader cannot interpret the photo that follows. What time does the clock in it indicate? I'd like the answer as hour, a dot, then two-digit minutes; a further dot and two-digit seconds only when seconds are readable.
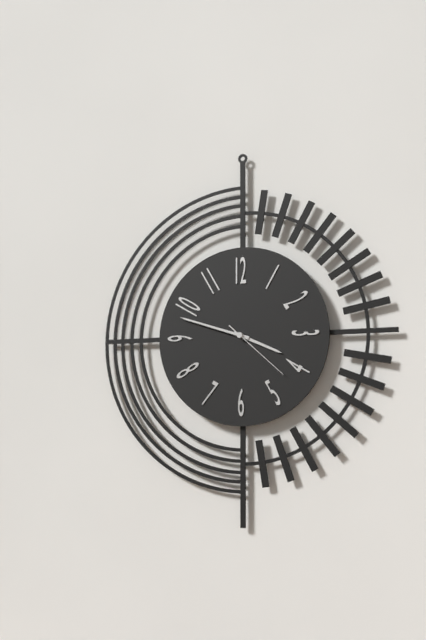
3.48.22
